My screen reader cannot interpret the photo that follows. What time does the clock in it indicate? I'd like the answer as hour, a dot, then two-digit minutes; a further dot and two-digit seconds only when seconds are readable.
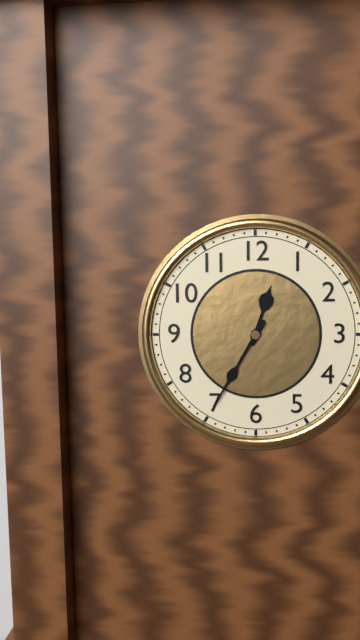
12.35
